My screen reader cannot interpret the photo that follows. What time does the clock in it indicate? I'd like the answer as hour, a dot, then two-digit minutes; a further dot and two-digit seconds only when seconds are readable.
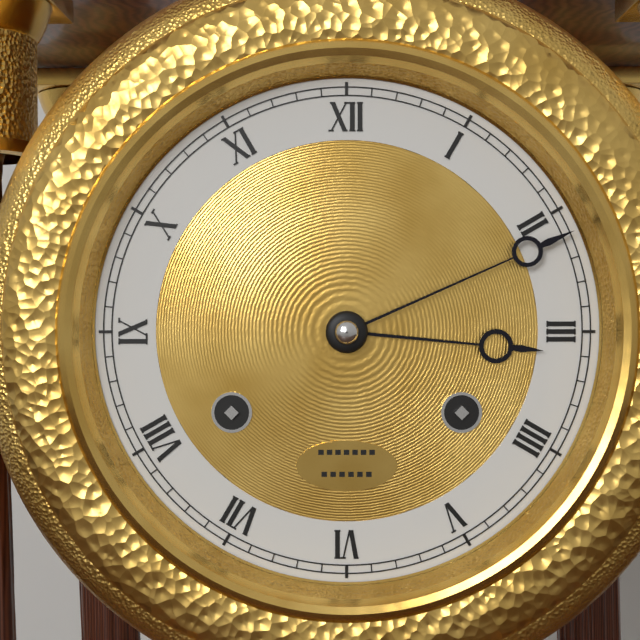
3.11
